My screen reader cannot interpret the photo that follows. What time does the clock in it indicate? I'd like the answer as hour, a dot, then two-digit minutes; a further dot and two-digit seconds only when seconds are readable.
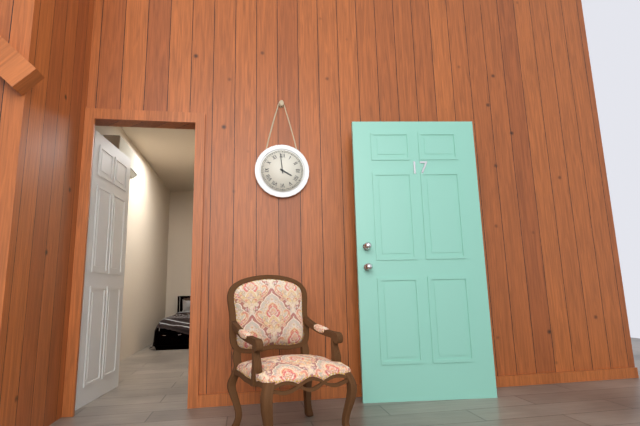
3.59
